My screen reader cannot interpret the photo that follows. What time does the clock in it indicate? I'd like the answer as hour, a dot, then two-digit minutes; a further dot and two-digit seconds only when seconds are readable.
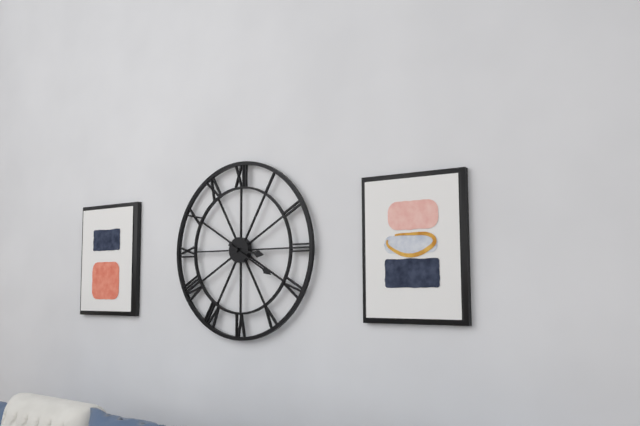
3.20
